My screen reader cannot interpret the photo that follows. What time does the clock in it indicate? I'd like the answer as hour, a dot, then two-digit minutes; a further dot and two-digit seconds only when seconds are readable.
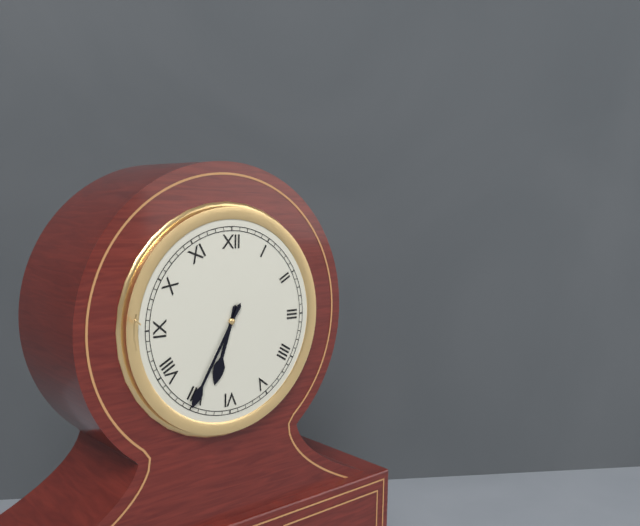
6.35
